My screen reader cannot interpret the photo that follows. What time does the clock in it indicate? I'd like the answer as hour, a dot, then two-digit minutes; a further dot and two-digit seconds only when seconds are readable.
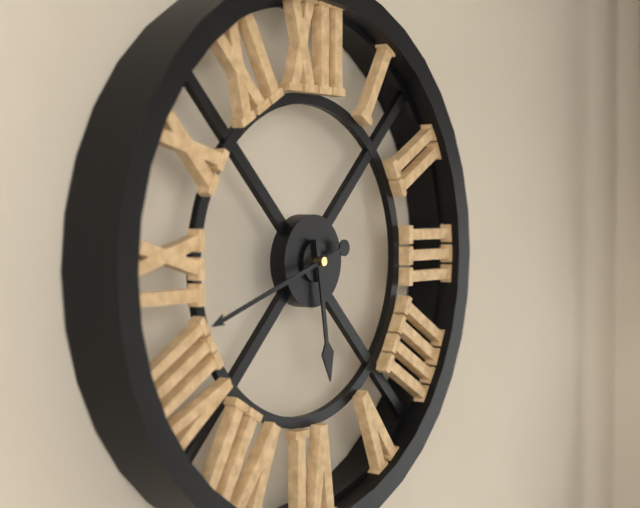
5.42
